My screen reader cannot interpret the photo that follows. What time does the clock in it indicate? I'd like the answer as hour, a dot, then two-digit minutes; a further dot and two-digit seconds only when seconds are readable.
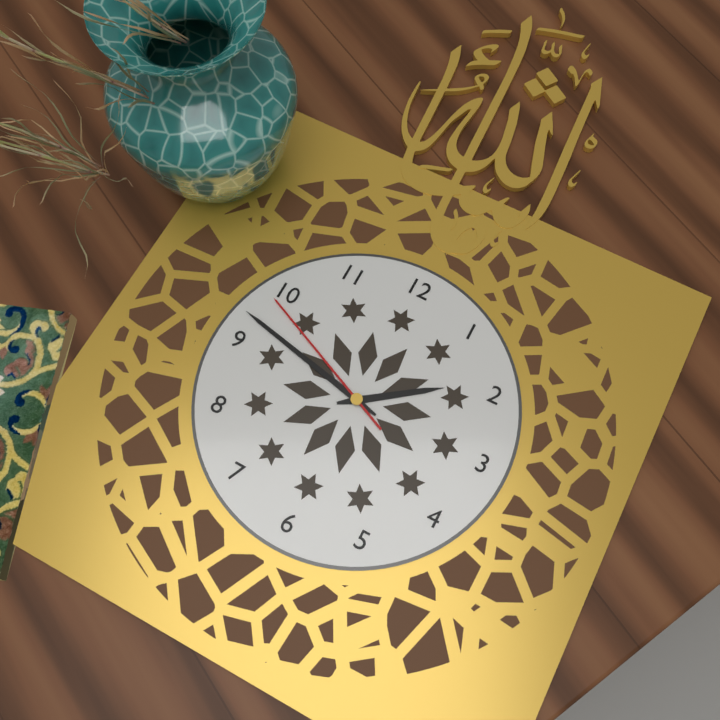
1.47.49
